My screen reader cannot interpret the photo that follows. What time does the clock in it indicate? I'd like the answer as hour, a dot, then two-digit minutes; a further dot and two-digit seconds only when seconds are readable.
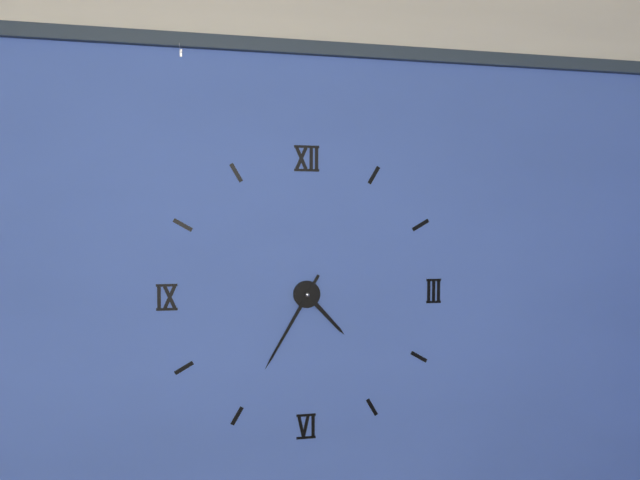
4.35
